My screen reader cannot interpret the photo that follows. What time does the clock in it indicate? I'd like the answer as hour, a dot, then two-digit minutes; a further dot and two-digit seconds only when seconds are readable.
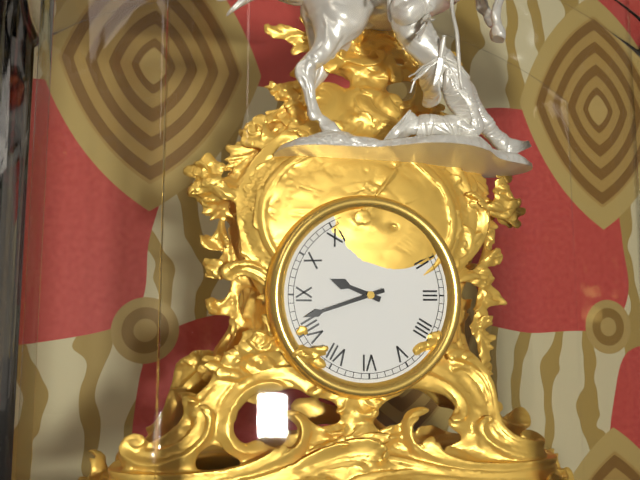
9.42
